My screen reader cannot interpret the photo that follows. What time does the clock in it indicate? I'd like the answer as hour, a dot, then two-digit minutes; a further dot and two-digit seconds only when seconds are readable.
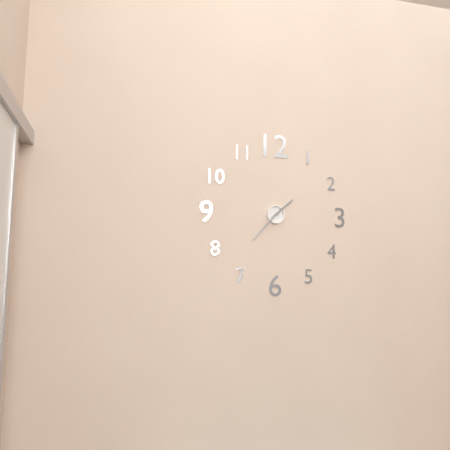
1.37
